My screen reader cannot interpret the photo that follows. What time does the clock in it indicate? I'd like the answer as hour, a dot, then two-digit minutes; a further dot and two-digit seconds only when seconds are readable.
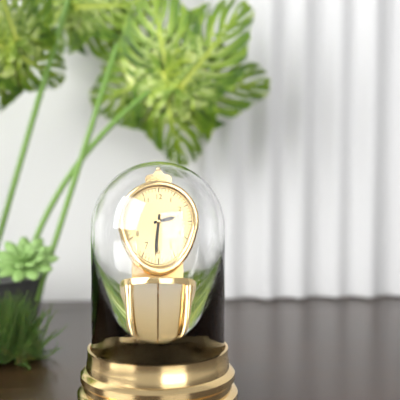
2.31
